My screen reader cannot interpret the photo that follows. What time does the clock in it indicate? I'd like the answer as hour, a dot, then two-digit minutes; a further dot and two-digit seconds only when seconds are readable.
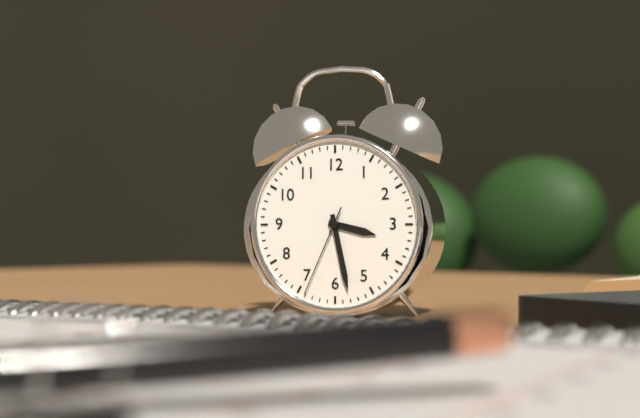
3.28.34
